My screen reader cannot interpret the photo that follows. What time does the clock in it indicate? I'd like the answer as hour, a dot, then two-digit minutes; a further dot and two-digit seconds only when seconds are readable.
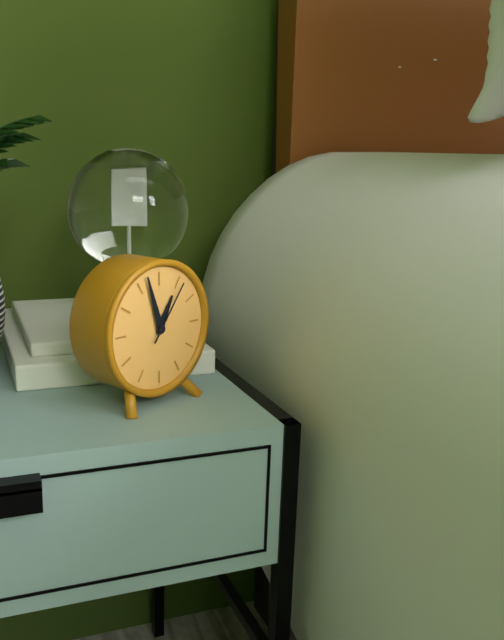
12.57.06
